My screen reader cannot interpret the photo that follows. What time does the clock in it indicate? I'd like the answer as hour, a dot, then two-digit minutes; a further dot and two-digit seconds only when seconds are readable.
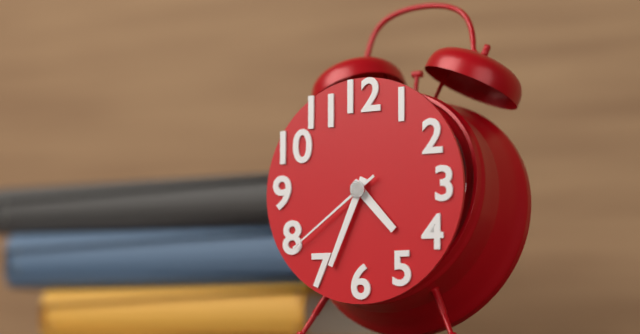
4.34.39
